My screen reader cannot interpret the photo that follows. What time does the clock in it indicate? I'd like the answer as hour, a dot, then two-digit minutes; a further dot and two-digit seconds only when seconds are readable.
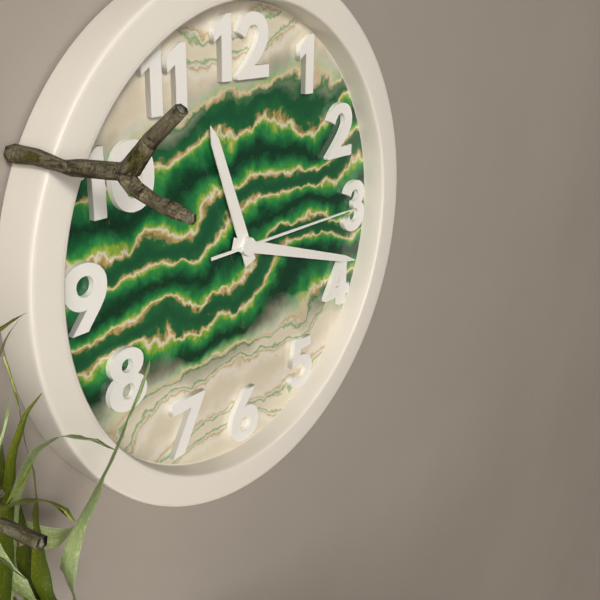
11.18.15
